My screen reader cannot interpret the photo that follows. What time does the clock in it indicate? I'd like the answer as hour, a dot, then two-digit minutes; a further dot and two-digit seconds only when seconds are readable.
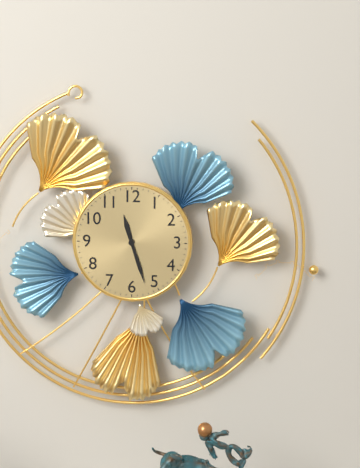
11.27
